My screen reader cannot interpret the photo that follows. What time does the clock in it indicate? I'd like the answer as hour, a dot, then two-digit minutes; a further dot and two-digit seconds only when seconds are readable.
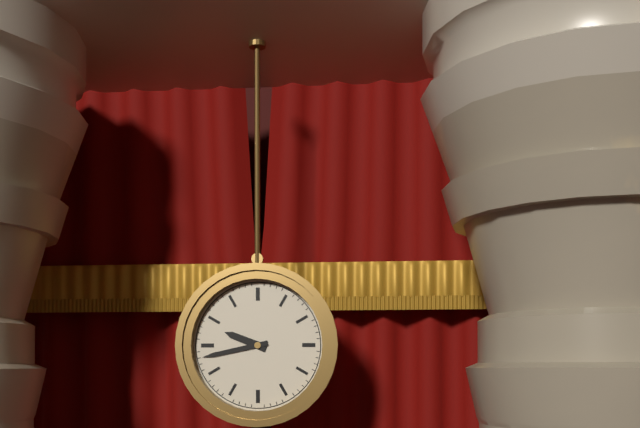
9.43
